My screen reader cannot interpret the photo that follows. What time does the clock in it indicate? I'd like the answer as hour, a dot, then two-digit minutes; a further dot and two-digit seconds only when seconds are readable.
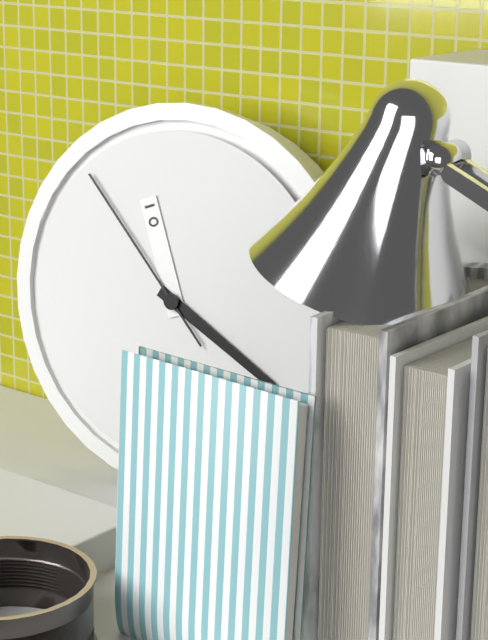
11.20.53
